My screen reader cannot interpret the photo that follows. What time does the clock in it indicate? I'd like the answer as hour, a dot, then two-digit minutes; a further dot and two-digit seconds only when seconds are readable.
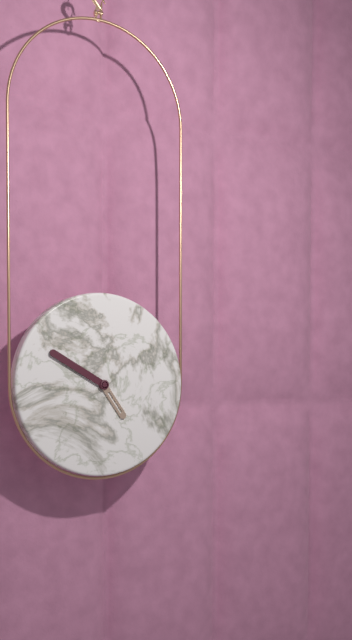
4.50
